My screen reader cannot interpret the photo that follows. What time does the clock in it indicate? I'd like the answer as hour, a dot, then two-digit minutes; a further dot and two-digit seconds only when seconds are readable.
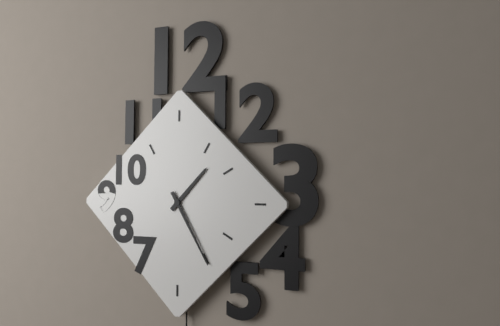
1.25
